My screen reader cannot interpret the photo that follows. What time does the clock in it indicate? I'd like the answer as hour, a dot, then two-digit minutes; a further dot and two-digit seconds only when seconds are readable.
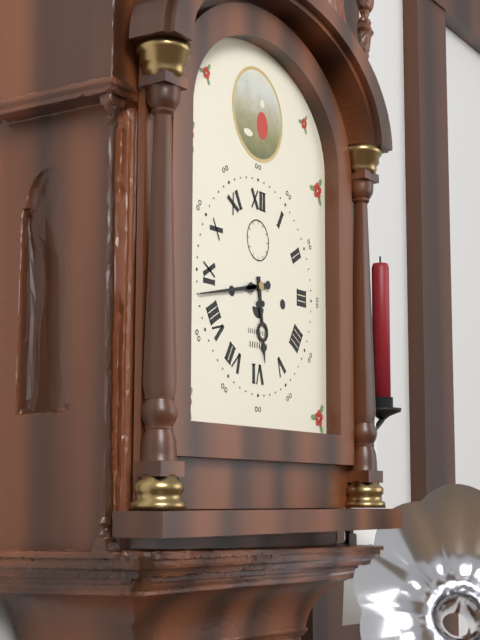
5.43
